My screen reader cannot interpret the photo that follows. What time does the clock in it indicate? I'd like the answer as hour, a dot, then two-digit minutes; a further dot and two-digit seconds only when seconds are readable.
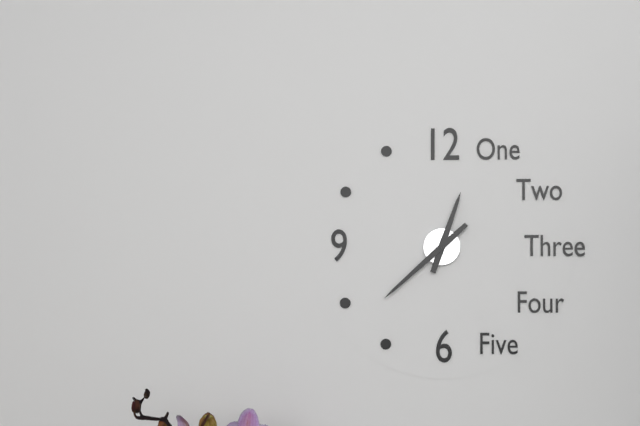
12.38
